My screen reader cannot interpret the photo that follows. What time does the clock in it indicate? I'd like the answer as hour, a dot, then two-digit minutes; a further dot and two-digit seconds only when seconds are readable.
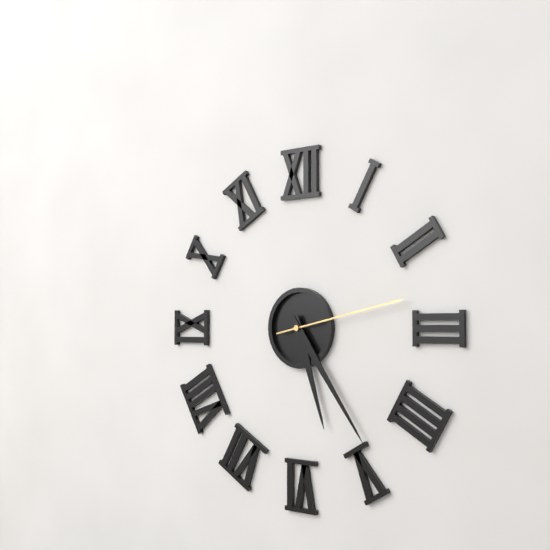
5.24.13
